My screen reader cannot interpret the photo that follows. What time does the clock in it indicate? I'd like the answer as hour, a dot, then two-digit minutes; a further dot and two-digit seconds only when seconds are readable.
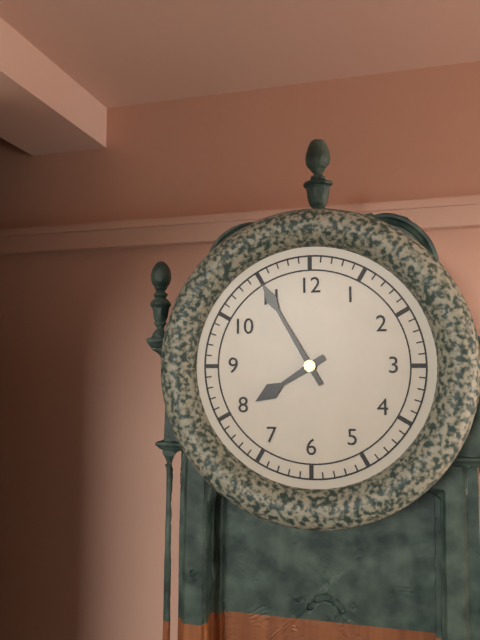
7.55
